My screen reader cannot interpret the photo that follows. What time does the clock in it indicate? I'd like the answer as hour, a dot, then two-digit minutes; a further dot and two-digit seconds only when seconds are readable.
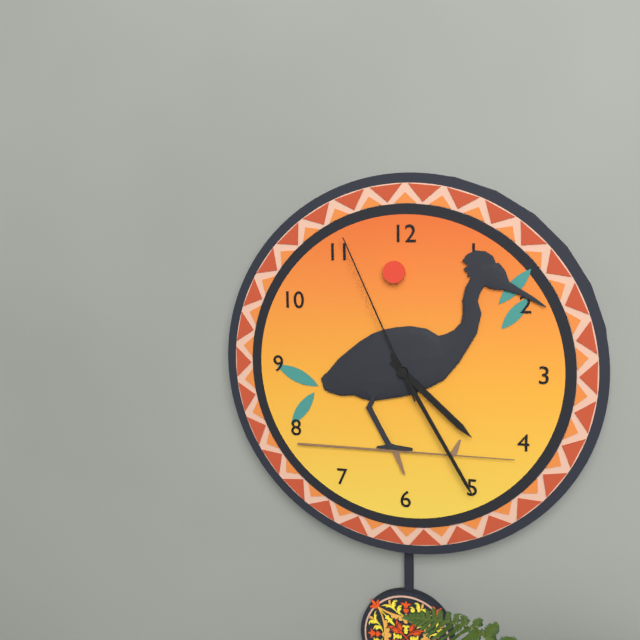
4.25.56
